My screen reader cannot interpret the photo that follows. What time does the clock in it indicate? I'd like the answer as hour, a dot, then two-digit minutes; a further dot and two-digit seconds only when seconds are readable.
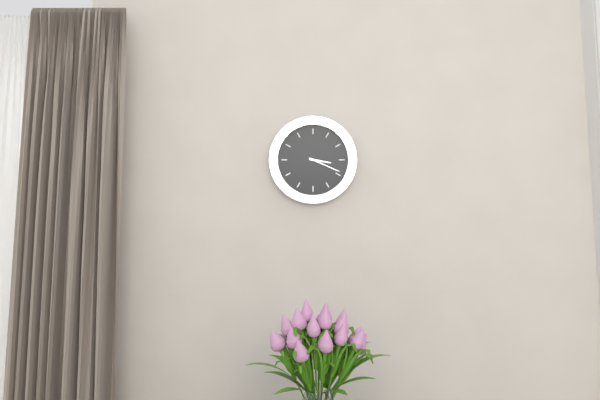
3.19
